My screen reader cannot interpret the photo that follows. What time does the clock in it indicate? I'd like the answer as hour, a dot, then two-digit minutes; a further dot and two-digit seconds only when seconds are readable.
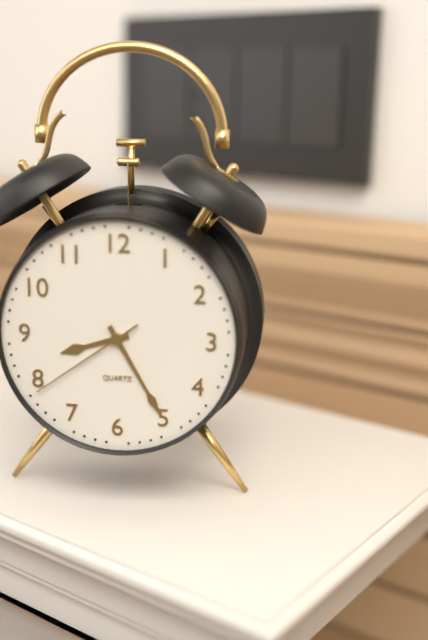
8.25.39
